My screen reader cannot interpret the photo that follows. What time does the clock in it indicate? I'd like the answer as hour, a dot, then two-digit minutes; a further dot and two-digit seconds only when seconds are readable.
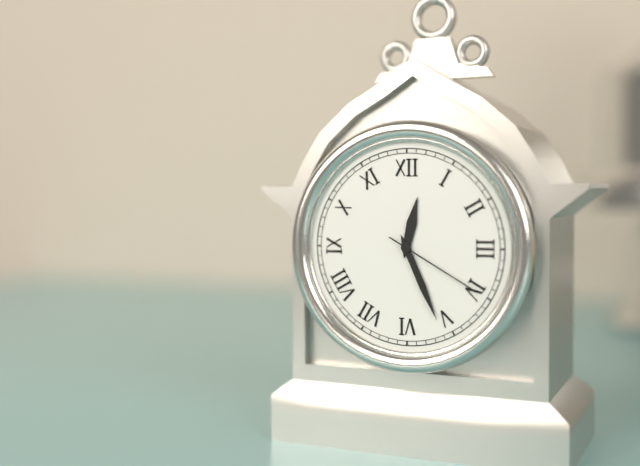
12.26.20
